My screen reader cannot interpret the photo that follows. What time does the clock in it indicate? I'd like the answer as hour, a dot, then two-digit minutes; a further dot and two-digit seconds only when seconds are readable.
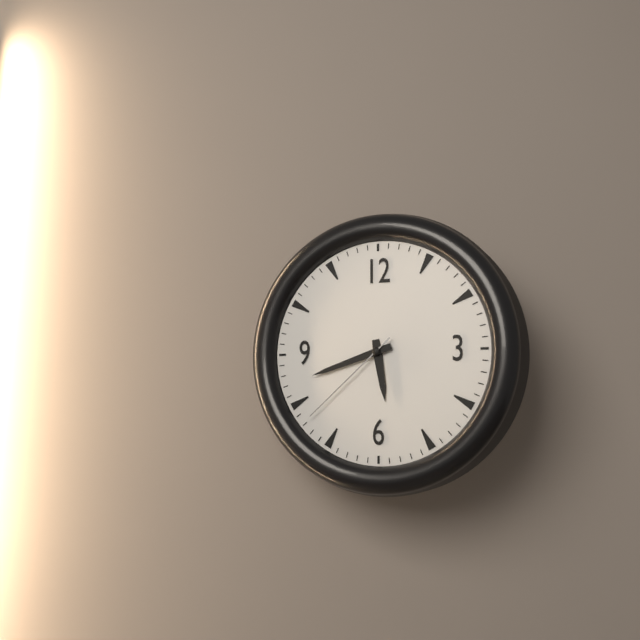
5.42.38
